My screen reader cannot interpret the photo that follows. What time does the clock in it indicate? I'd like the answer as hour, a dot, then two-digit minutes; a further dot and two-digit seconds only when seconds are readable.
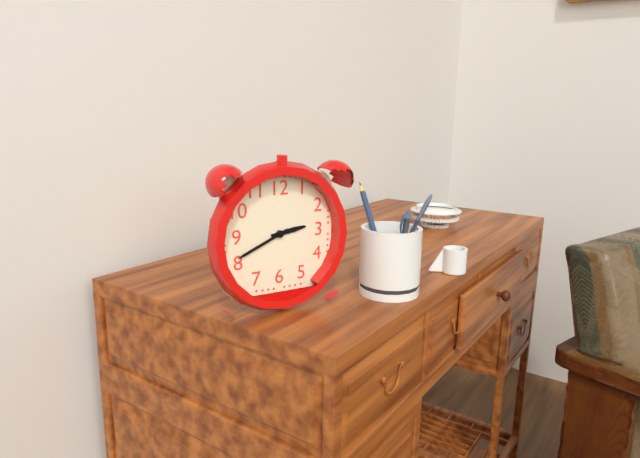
2.41
